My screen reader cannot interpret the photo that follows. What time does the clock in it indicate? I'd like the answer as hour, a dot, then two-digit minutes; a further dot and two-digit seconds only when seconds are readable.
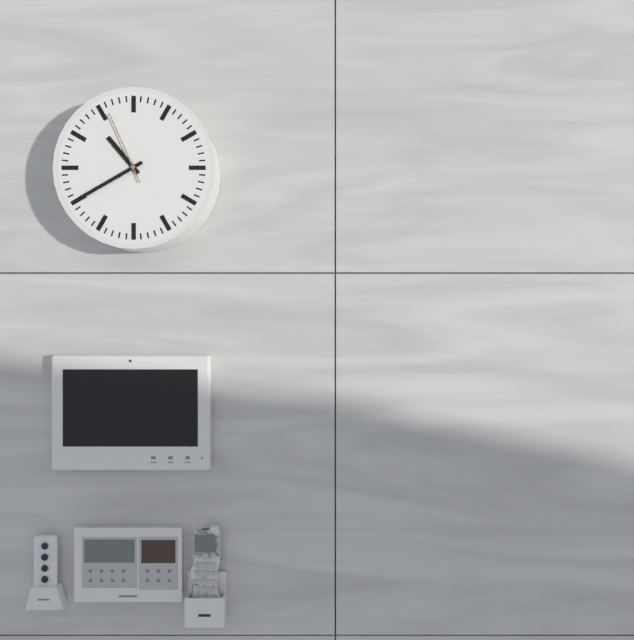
10.40.56
